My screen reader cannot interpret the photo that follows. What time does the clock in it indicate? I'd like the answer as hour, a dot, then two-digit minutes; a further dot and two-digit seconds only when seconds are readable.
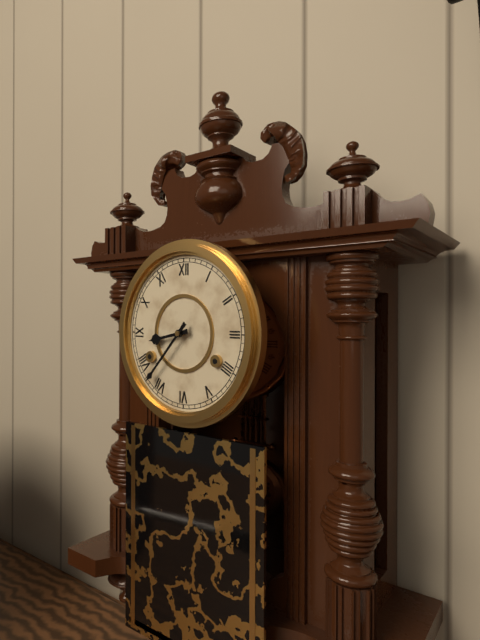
8.37
